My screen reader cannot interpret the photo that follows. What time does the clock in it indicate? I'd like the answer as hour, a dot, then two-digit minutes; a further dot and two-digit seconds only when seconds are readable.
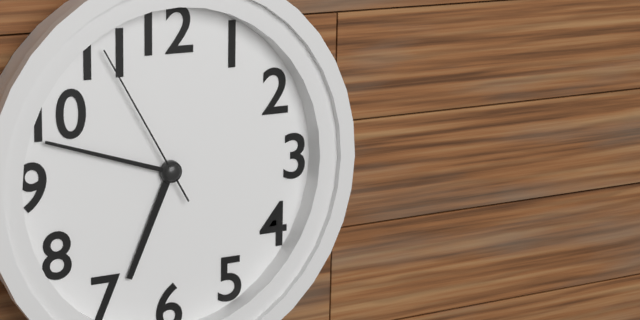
6.48.55
